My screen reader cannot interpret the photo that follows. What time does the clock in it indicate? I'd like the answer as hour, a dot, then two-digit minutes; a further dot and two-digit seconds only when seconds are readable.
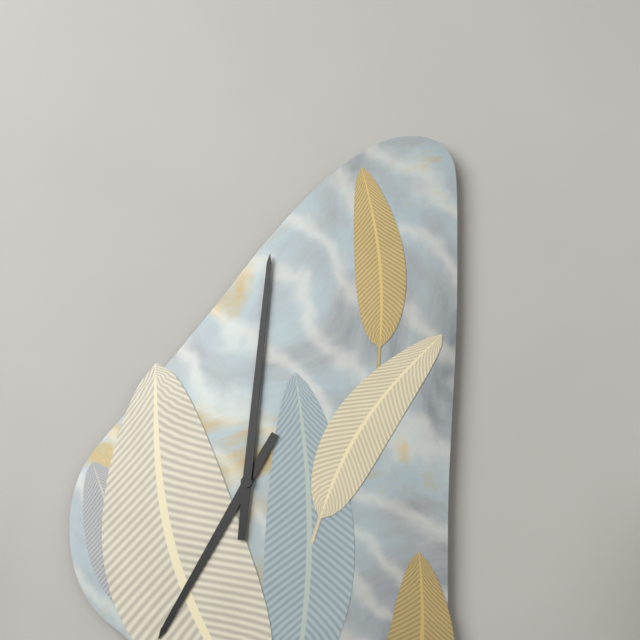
7.01
